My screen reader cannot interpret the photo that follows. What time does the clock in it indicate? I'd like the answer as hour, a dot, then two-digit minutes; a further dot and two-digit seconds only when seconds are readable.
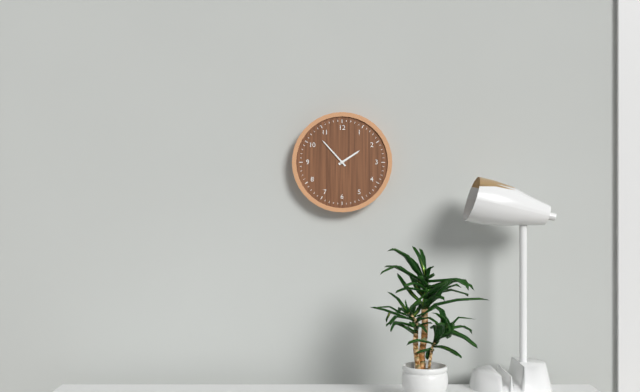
1.53
